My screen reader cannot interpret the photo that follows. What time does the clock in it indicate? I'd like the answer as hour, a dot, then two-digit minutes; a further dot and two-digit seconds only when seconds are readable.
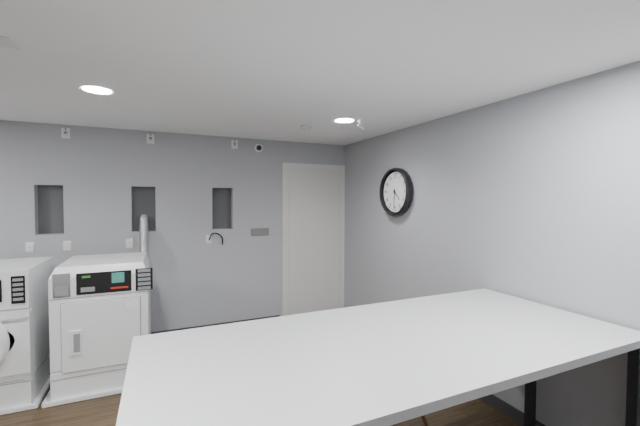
4.31
